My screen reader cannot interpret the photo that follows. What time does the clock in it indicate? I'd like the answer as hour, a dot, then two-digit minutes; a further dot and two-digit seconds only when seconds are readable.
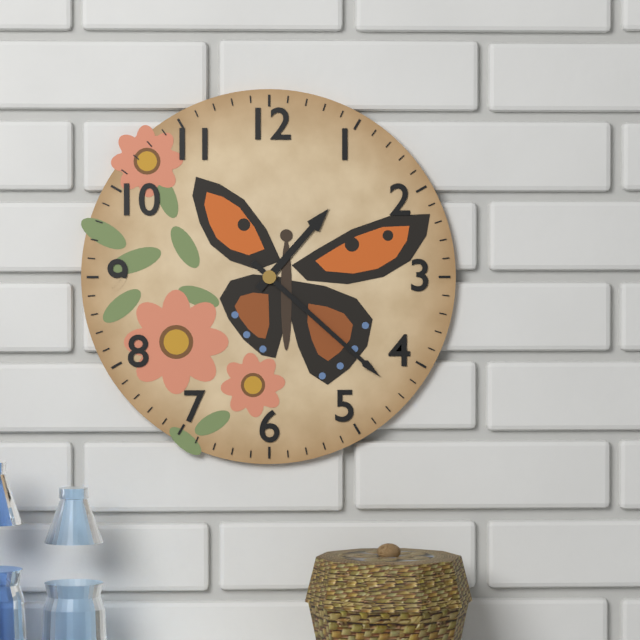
1.22
